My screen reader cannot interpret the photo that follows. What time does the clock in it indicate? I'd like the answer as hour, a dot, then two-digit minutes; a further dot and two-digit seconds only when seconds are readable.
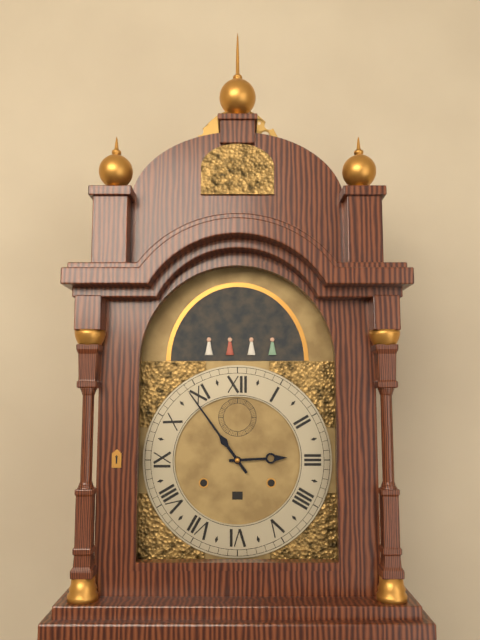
2.54
